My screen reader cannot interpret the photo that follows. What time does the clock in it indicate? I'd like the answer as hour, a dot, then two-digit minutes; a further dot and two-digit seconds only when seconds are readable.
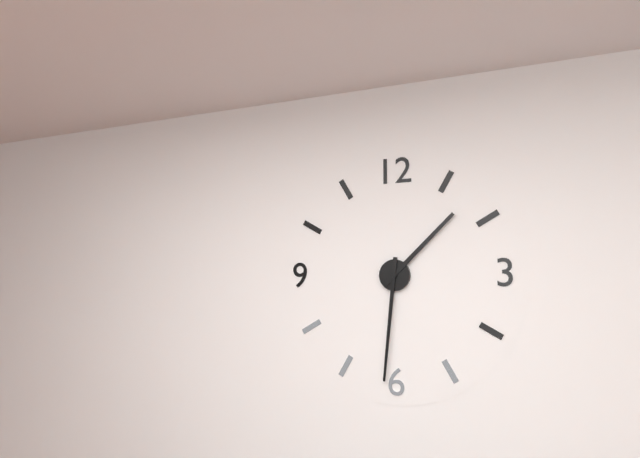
1.31
